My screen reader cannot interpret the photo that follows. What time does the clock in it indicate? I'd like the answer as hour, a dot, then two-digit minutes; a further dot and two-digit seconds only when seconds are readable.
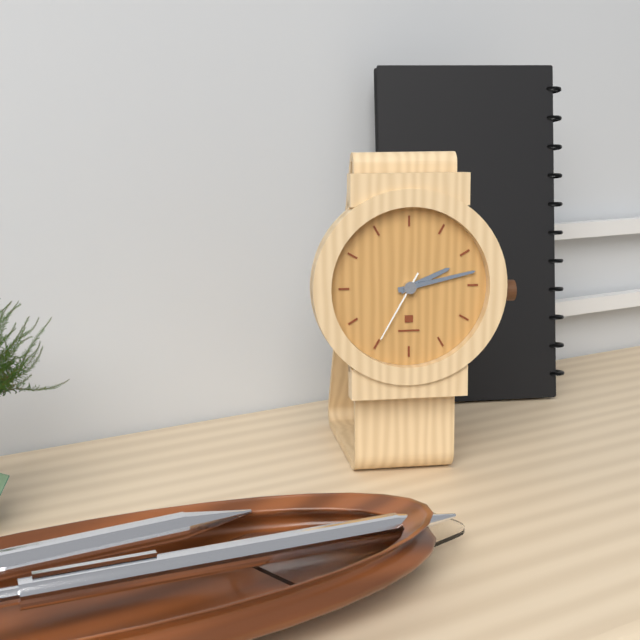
2.13.35
